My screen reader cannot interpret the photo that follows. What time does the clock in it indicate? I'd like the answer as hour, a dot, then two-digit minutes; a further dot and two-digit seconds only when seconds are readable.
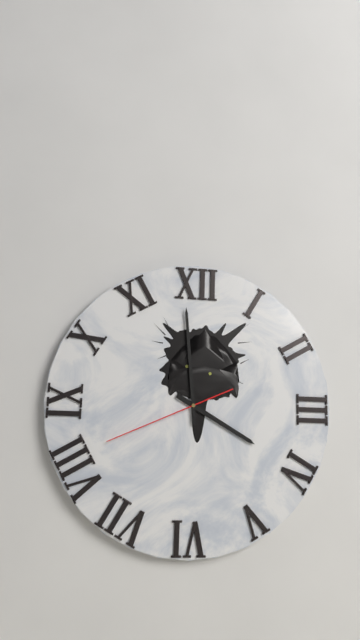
3.59.41
